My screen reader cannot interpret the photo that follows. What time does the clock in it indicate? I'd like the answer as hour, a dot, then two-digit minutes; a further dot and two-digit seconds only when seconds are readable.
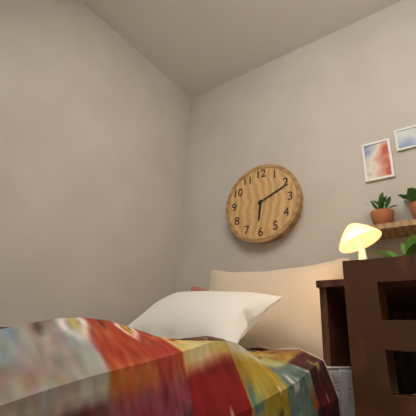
6.11
